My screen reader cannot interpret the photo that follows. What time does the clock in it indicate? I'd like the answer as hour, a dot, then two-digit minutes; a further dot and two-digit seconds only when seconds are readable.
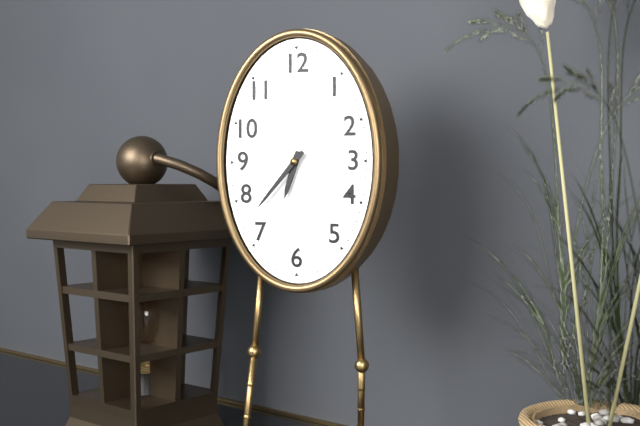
6.37
